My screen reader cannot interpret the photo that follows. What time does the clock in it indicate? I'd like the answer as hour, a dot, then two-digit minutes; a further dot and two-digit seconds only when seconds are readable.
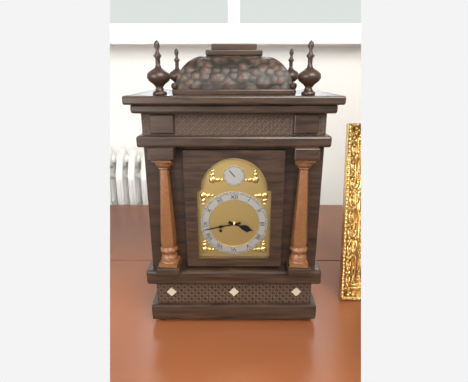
3.43
